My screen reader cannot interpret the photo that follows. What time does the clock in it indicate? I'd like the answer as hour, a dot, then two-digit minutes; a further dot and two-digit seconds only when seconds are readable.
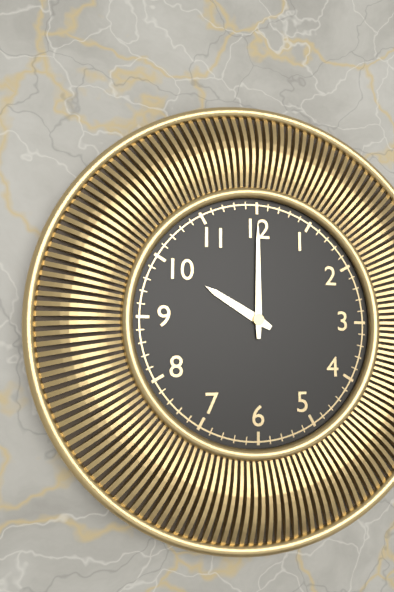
10.00
